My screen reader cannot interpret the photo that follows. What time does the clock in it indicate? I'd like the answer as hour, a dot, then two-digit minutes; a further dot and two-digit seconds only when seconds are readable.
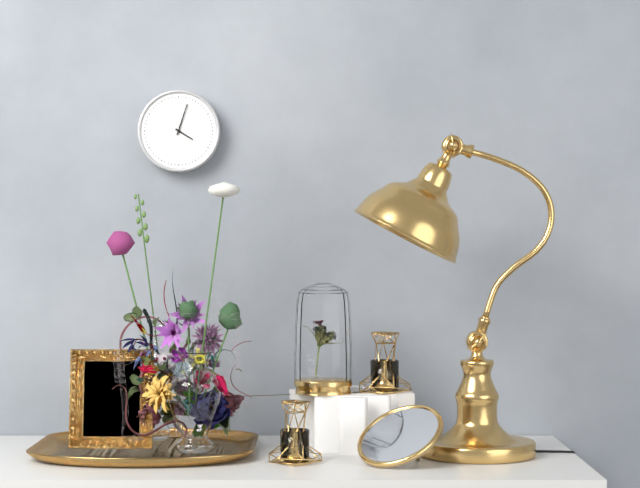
4.03
